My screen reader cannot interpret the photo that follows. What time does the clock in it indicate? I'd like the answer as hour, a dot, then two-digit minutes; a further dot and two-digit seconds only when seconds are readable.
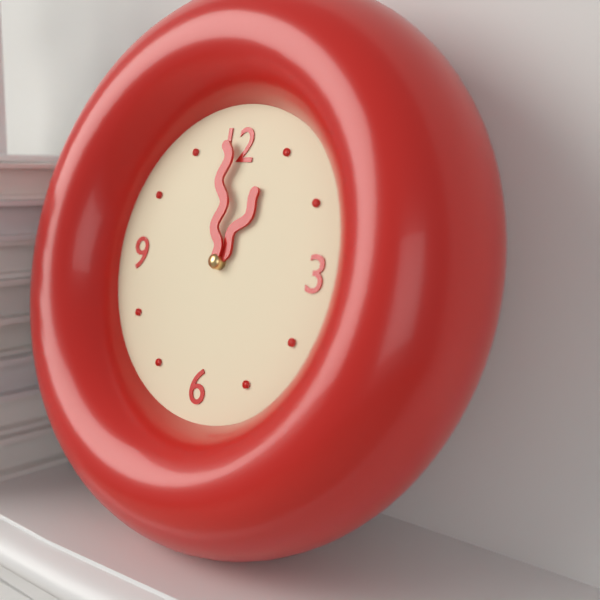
12.59
